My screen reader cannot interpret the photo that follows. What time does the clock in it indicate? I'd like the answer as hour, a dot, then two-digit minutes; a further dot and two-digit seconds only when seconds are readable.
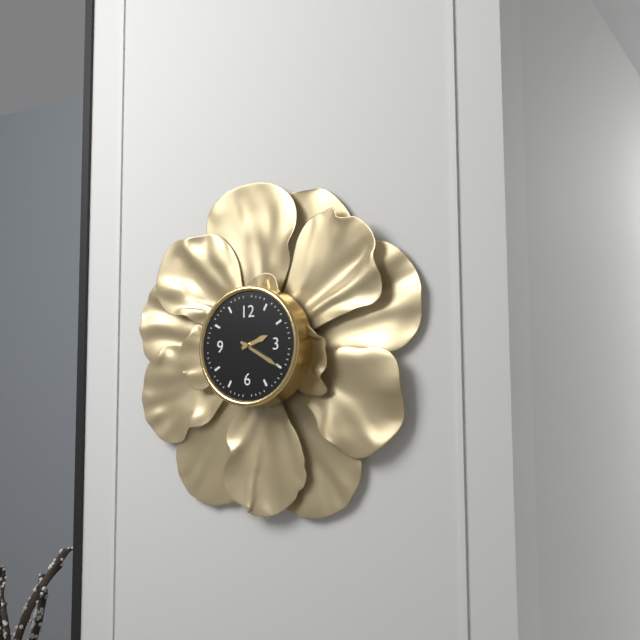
2.20
